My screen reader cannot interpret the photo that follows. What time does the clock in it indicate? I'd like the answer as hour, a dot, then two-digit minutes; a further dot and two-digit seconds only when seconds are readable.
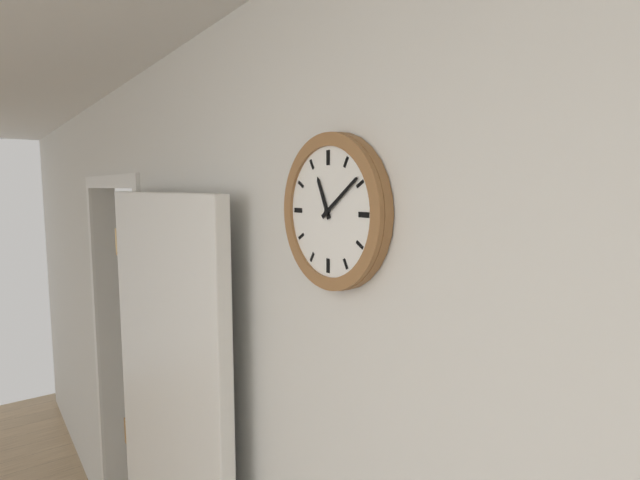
11.09
